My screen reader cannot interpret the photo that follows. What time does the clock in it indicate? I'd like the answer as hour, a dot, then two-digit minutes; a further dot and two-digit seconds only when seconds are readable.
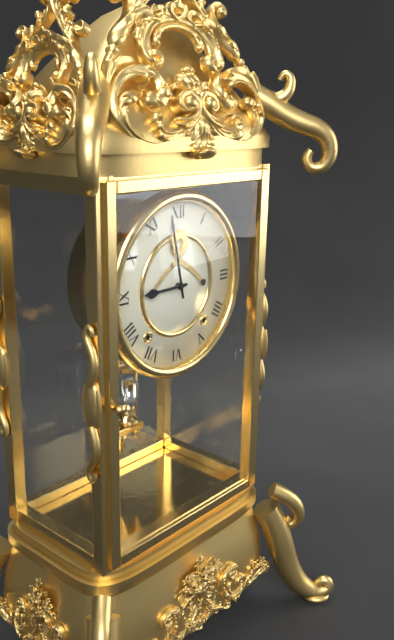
8.58
